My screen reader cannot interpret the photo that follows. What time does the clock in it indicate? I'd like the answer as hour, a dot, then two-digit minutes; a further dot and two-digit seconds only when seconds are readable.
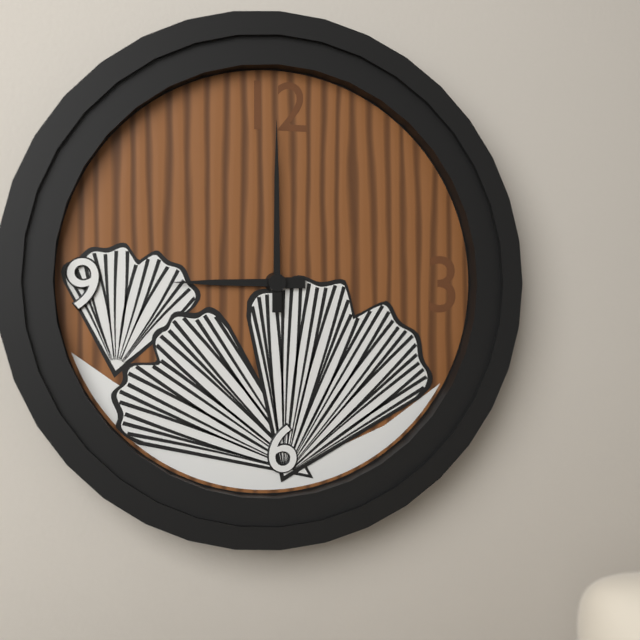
9.00
